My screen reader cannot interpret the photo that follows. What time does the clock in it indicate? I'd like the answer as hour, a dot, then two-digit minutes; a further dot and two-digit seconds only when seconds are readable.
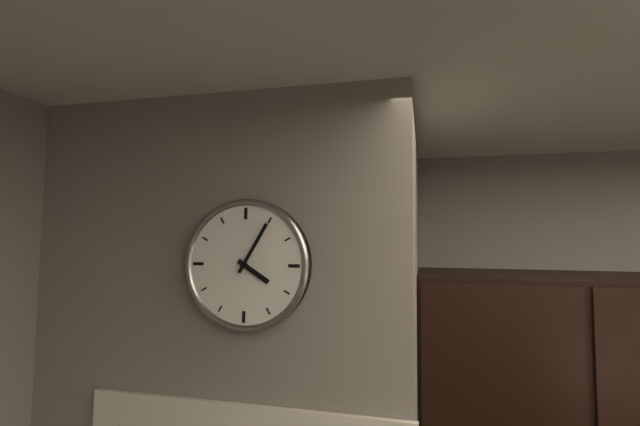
4.05
